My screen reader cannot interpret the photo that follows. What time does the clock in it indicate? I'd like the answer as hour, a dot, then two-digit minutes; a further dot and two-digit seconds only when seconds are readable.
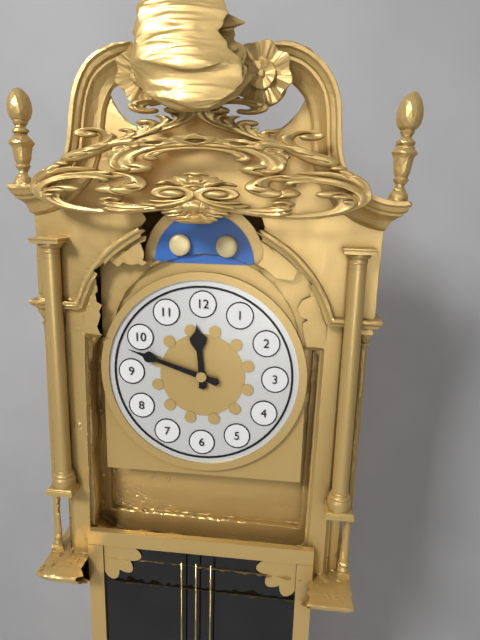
11.48
